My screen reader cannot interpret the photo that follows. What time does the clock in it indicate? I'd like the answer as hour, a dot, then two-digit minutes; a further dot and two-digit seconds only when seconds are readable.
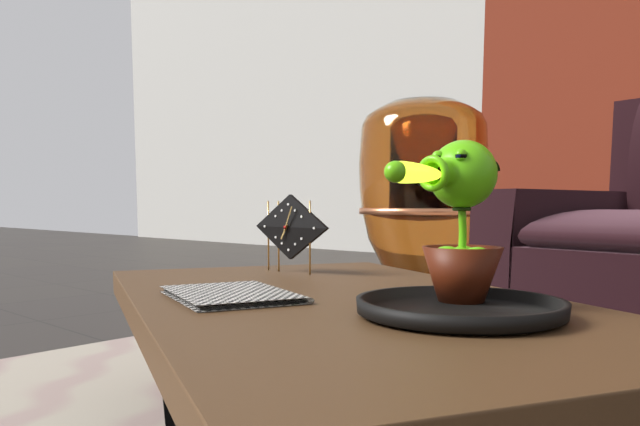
7.04
